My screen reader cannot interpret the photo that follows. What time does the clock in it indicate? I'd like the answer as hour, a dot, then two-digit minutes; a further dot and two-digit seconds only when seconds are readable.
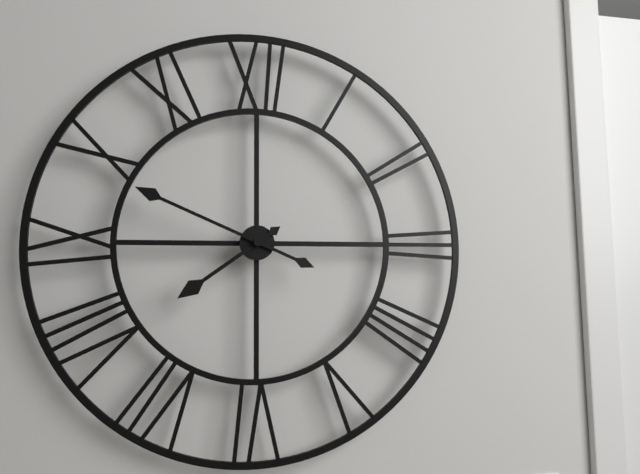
7.49
